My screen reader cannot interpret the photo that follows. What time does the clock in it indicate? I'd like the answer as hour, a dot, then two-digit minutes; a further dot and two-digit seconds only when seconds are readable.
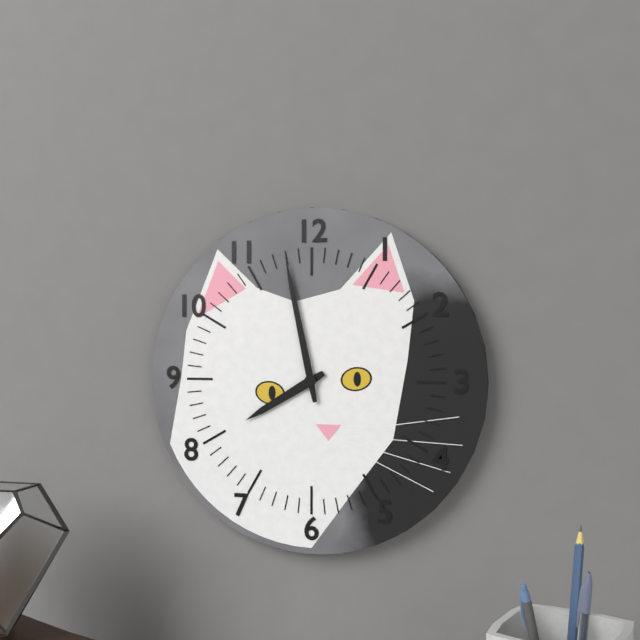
7.58
